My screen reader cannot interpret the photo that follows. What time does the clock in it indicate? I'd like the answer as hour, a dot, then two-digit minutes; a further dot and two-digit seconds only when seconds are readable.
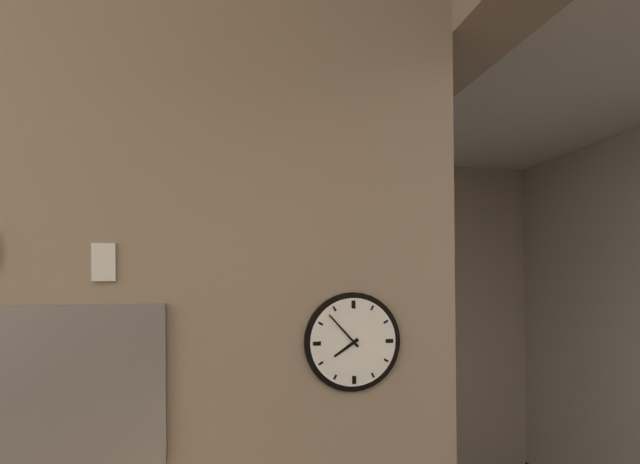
7.53
